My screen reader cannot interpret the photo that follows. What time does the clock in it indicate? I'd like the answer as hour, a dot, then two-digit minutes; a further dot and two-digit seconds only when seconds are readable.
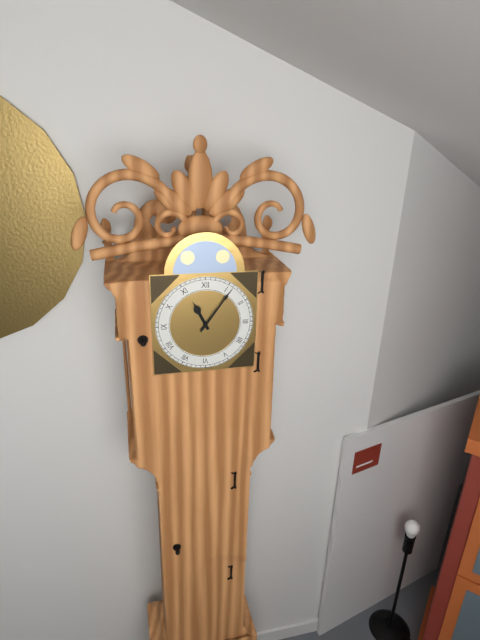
11.06
